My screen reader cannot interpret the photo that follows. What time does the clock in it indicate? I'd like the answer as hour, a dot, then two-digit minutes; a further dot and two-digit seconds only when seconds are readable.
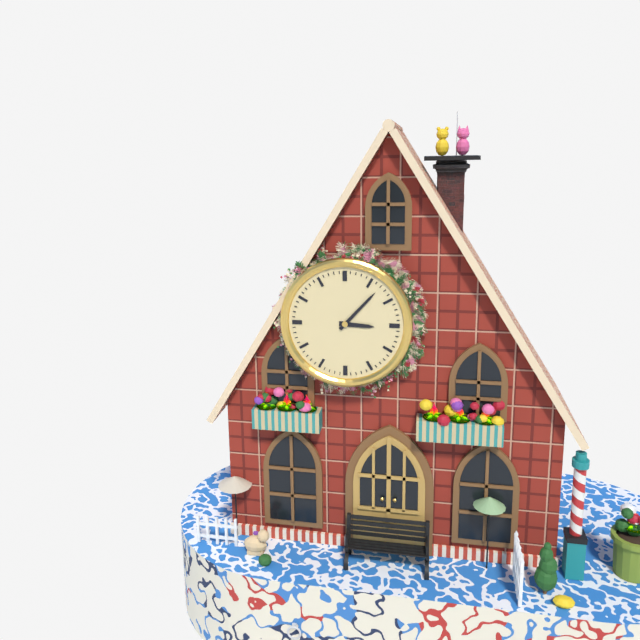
3.07
